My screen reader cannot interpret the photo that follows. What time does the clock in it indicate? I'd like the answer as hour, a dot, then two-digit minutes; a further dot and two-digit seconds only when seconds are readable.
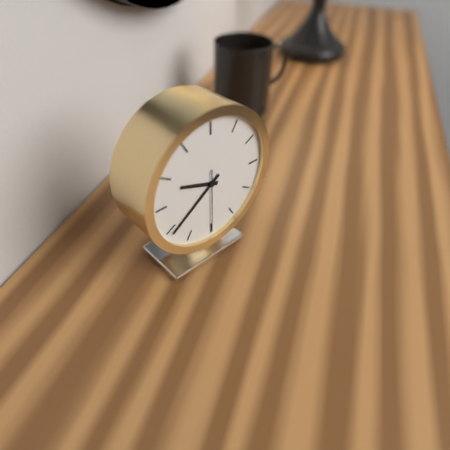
9.39.30
